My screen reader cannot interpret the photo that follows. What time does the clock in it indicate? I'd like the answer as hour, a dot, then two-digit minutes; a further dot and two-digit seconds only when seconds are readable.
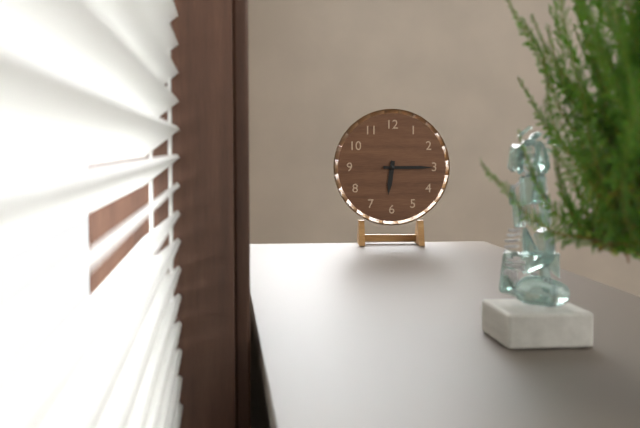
6.15
